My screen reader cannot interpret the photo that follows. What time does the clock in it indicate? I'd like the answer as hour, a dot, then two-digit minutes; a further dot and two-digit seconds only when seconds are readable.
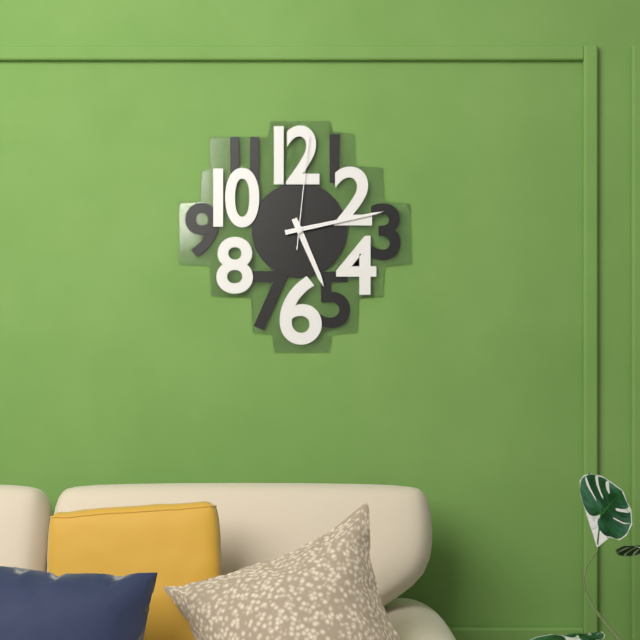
5.13.01
